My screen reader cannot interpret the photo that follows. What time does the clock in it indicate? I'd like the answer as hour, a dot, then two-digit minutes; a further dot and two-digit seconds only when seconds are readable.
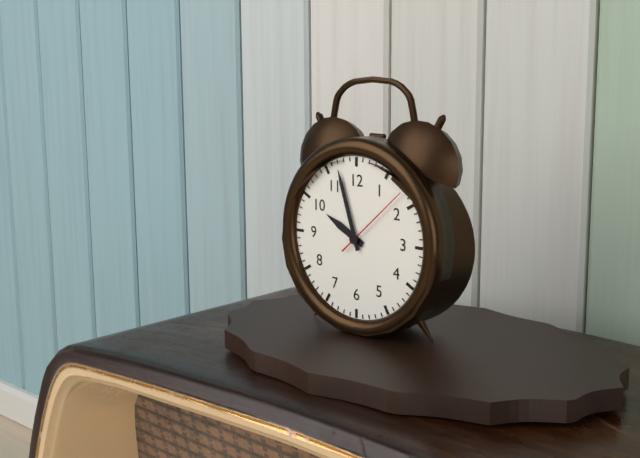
9.57.08
